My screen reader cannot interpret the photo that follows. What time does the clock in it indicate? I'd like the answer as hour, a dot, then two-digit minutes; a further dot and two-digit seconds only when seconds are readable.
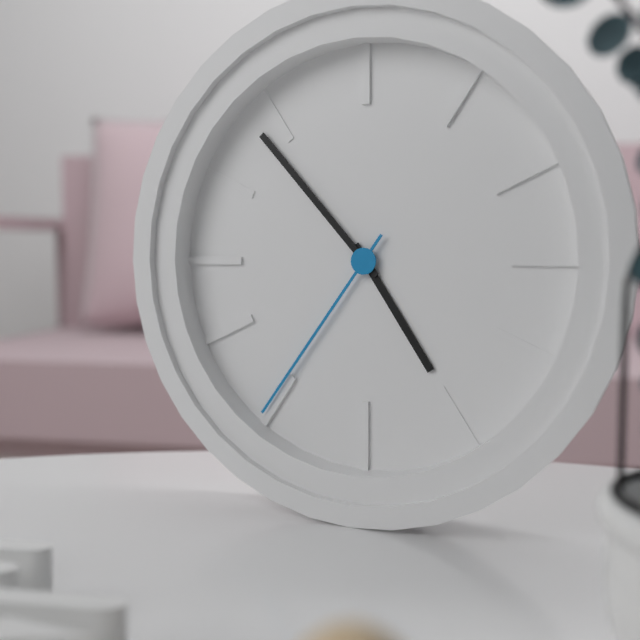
4.53.36
